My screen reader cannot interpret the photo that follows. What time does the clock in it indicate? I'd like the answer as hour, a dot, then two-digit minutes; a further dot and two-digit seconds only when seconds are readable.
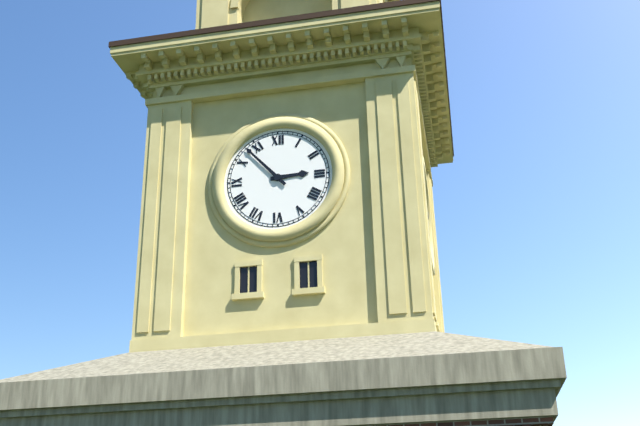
2.53
